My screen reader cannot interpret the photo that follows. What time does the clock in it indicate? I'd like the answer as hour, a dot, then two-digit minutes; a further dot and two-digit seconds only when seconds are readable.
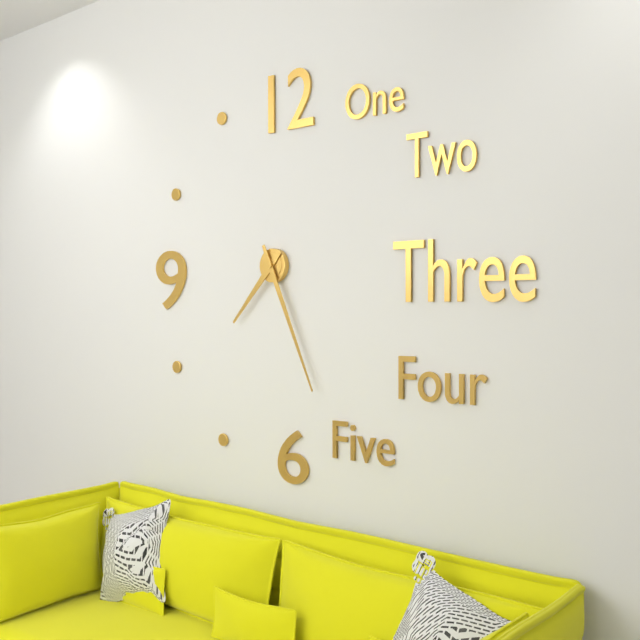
7.26
